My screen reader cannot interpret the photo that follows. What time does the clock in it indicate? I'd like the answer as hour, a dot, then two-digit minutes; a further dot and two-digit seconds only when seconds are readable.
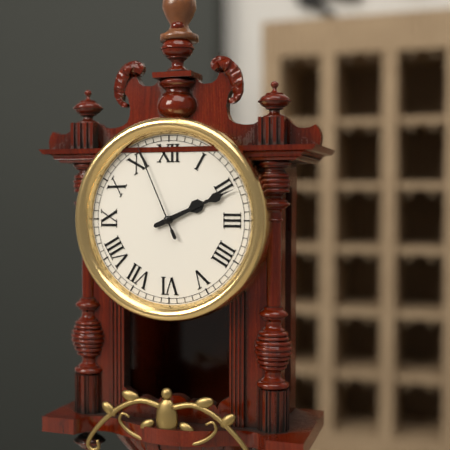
2.11.56
